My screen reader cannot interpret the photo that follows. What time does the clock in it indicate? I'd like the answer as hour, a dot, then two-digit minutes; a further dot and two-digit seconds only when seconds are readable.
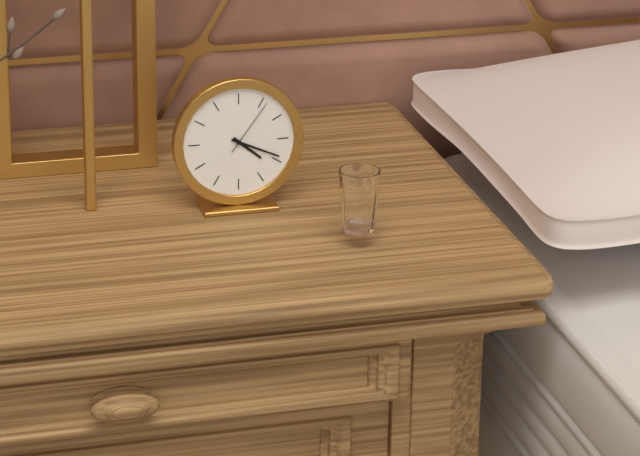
4.19.06
